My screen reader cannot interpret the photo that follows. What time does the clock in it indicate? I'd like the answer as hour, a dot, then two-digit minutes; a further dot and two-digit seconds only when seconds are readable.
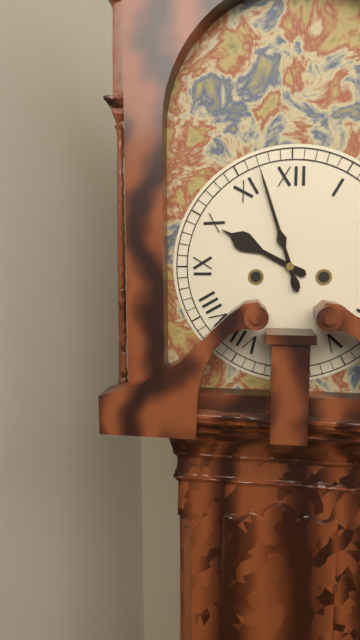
9.57
